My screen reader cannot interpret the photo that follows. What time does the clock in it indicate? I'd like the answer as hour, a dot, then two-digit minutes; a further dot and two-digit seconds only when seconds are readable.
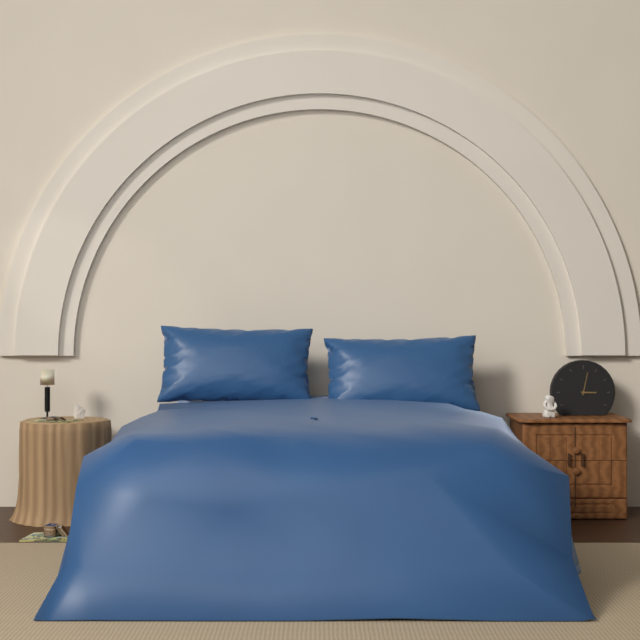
3.02
